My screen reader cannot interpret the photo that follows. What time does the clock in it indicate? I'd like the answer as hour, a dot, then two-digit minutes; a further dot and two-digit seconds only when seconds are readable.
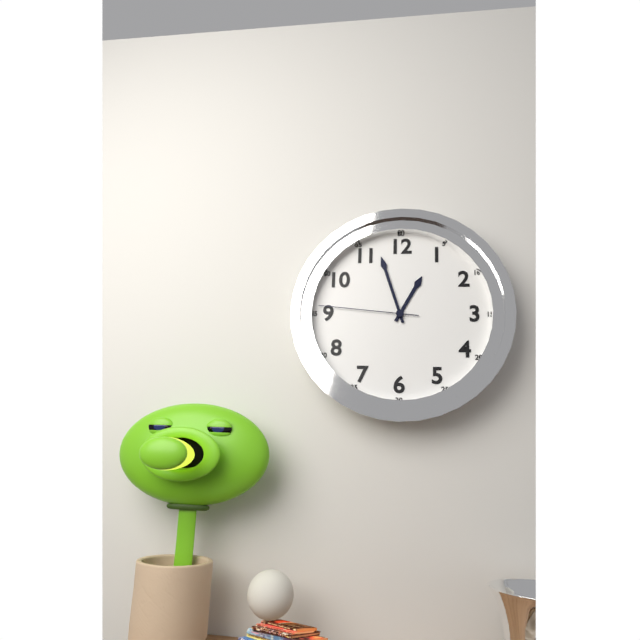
12.57.46
